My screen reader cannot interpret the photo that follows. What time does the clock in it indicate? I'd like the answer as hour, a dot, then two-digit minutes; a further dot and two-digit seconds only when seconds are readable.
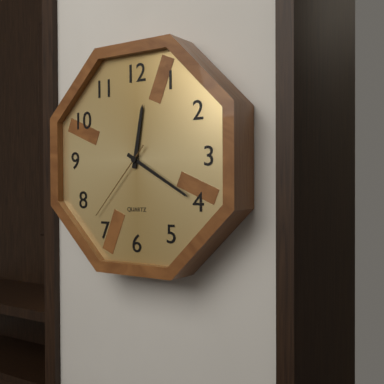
12.20.37
